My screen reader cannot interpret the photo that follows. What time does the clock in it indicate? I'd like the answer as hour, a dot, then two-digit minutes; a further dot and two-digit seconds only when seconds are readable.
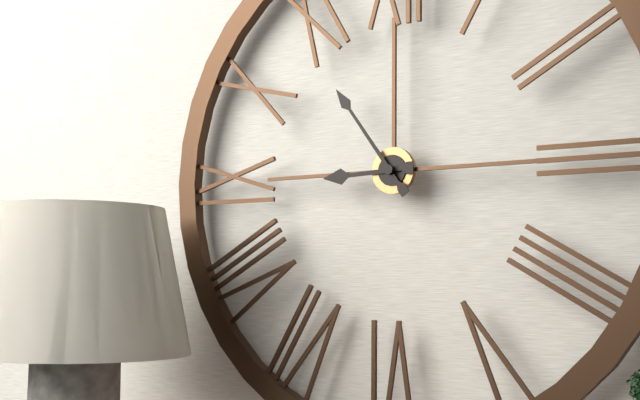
8.54
